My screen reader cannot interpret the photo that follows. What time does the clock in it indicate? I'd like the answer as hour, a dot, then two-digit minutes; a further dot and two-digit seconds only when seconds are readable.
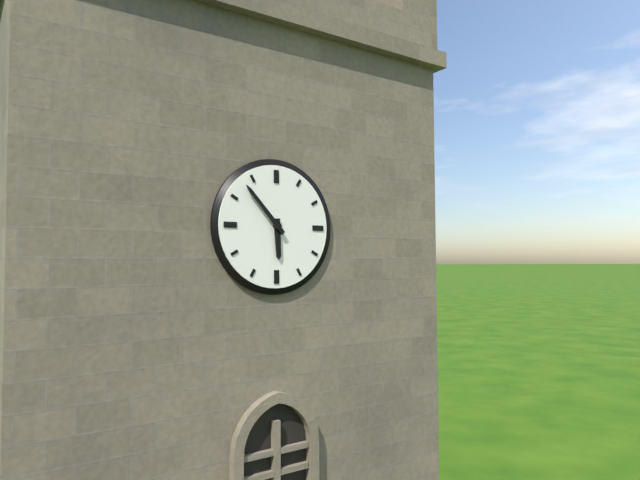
5.53
